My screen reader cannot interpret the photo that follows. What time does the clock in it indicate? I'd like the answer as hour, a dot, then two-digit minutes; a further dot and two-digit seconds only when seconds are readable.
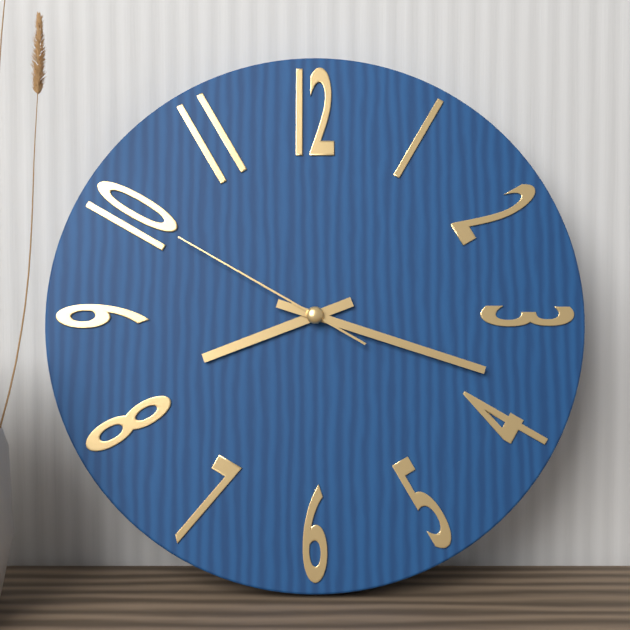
8.18.50
